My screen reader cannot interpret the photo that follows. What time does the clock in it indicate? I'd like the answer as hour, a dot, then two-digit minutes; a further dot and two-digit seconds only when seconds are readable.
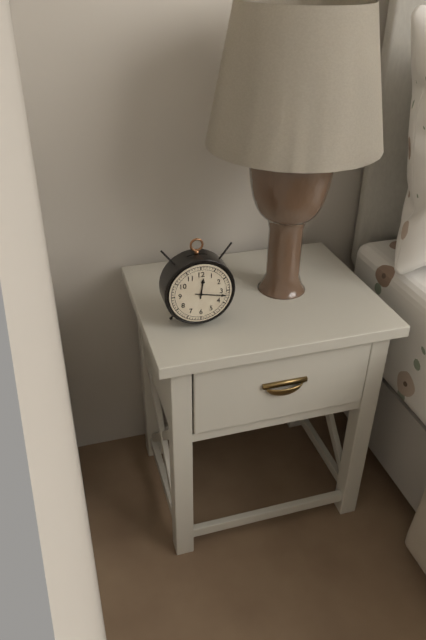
12.17
